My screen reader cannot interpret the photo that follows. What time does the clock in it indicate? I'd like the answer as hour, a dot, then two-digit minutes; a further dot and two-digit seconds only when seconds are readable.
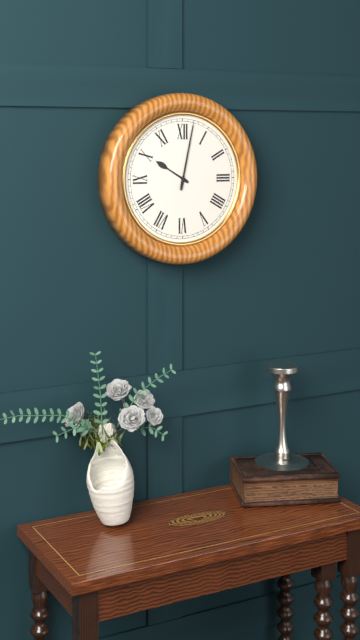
10.02
